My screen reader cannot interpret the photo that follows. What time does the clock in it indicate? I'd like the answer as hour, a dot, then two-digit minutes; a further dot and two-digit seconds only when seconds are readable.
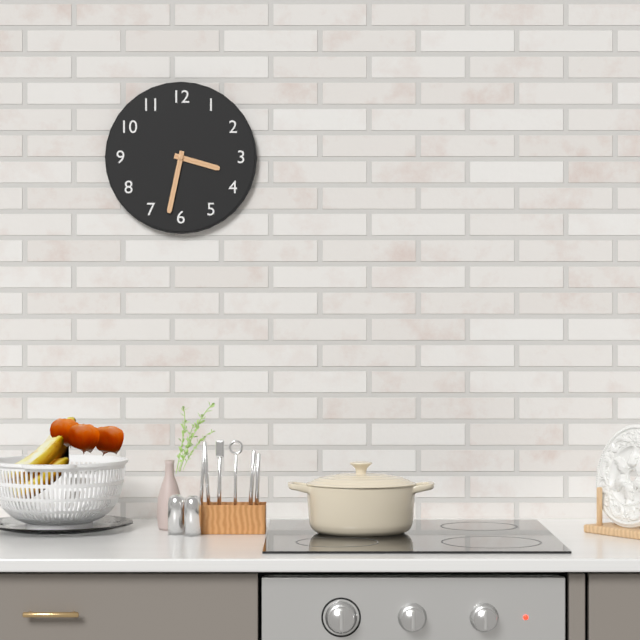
3.32
